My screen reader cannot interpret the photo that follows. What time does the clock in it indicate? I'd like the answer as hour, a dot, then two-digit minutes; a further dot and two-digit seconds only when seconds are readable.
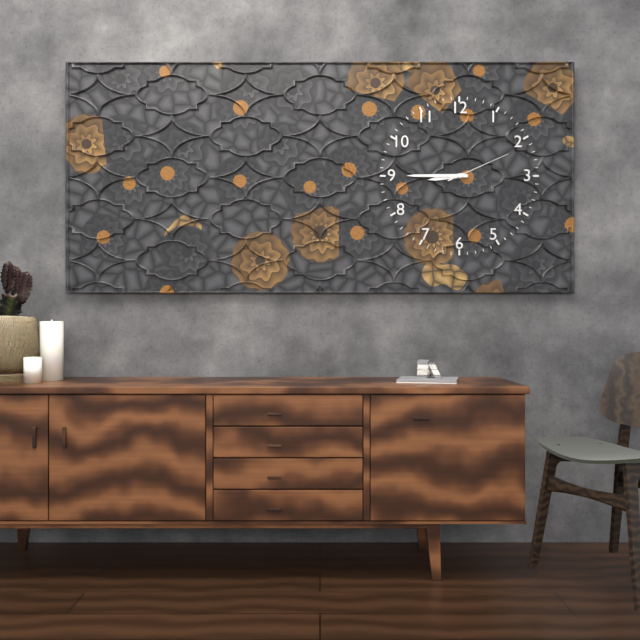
8.45.11
